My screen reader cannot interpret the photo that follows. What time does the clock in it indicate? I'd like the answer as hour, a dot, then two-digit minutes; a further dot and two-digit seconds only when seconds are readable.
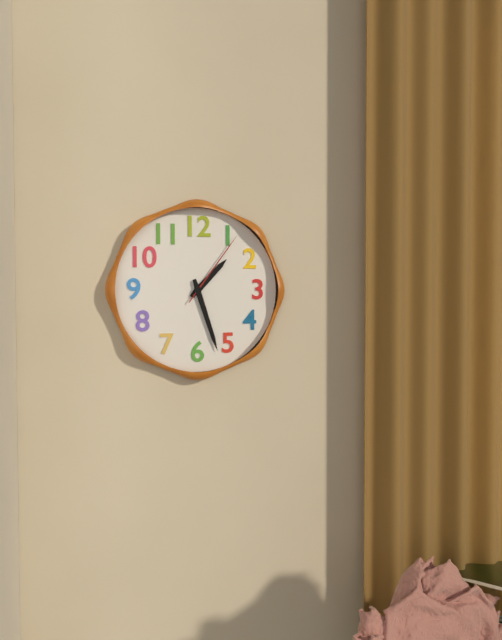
1.27.06
